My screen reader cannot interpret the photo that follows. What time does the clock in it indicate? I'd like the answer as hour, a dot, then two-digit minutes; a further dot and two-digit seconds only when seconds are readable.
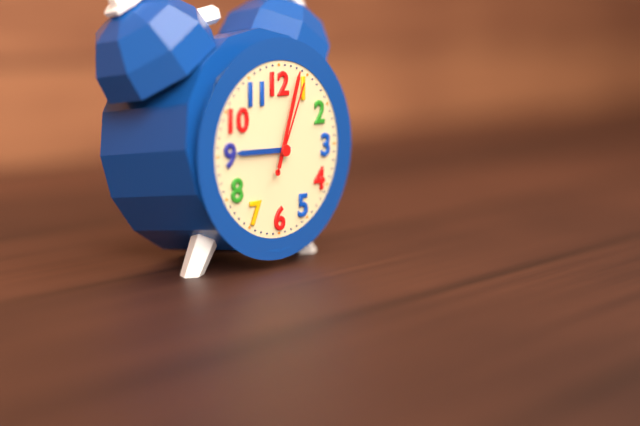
9.03.04
